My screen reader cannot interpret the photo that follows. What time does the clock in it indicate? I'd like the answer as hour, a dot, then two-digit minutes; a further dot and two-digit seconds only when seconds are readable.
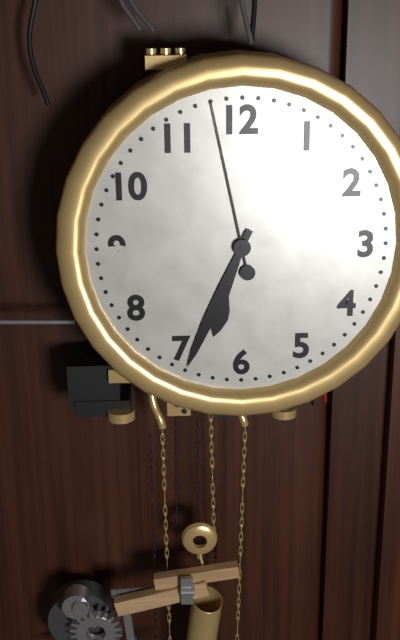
6.34.58
